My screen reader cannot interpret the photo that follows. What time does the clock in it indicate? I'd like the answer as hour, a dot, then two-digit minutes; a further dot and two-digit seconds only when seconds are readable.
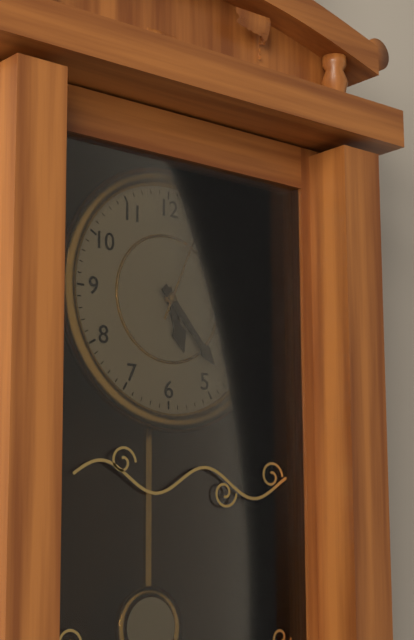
5.23.04
